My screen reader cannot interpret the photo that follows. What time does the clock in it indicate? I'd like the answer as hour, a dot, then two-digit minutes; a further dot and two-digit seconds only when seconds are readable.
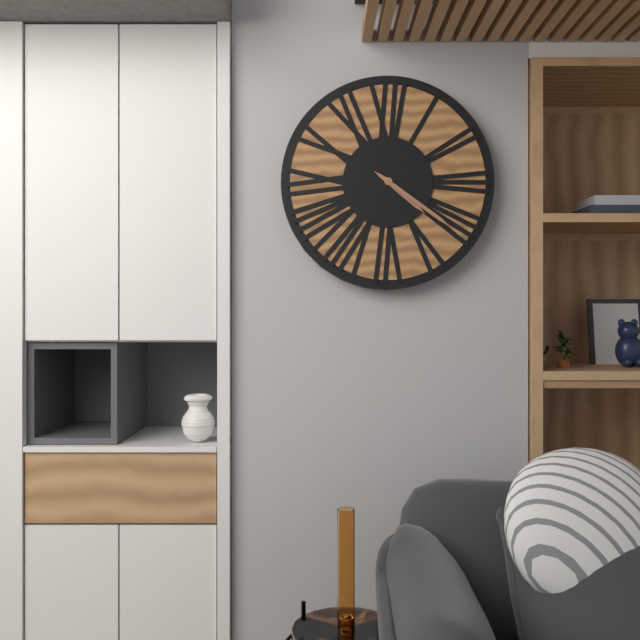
4.21
